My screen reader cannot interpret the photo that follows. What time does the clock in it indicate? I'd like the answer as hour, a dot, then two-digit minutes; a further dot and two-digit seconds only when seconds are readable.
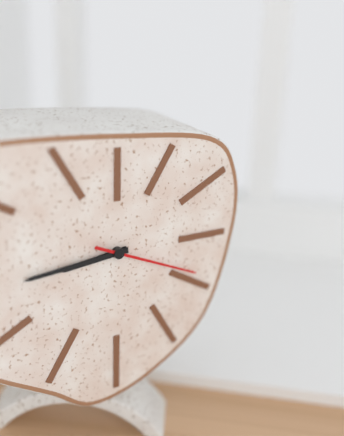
8.44.19
